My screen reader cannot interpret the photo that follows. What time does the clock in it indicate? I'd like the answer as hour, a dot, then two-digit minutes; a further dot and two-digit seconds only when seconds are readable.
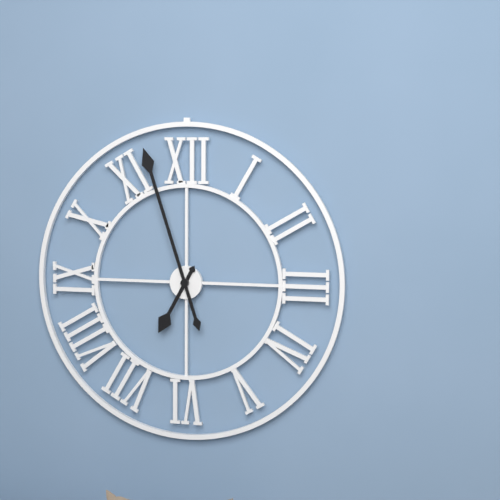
6.57
